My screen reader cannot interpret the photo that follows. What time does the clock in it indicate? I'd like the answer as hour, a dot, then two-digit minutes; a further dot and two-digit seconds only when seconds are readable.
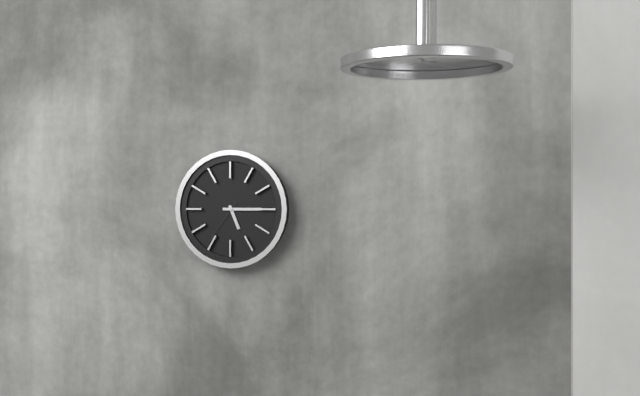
5.15.36
